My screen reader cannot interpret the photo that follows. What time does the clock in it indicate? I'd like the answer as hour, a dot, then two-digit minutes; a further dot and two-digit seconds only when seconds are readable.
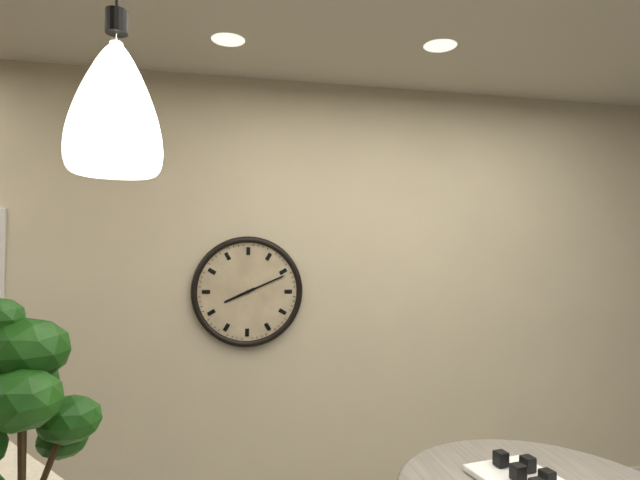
8.11
